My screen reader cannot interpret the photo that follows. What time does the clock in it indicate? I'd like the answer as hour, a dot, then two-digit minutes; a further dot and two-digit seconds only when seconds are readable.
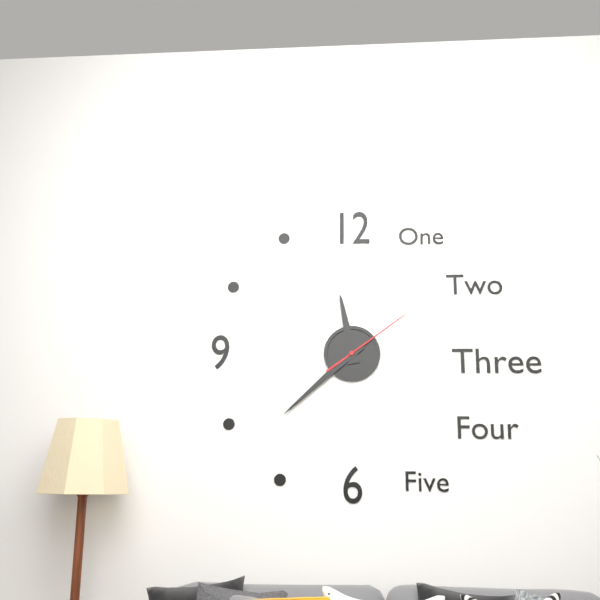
11.38.09
